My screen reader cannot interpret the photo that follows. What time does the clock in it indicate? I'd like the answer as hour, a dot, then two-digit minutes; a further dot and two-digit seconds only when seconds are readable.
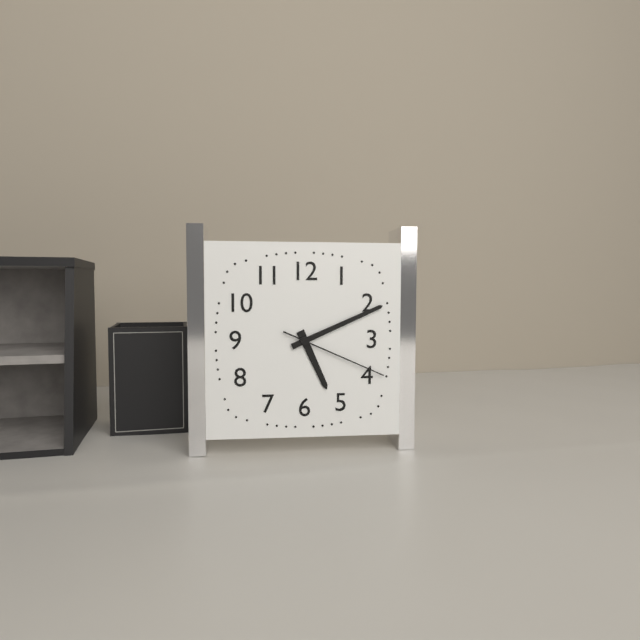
5.11.19
